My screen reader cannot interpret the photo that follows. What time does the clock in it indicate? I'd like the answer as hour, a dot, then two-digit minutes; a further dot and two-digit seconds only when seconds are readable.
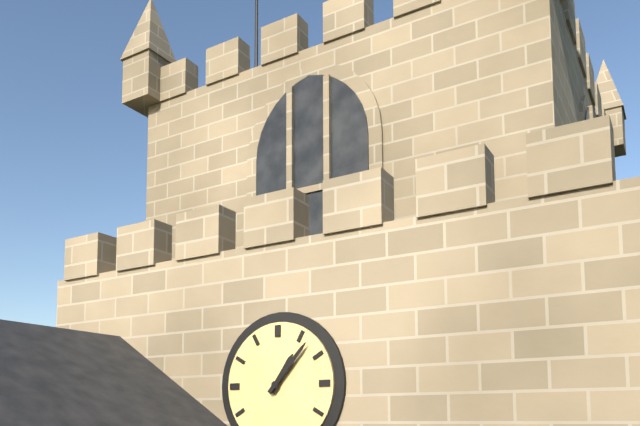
1.07
